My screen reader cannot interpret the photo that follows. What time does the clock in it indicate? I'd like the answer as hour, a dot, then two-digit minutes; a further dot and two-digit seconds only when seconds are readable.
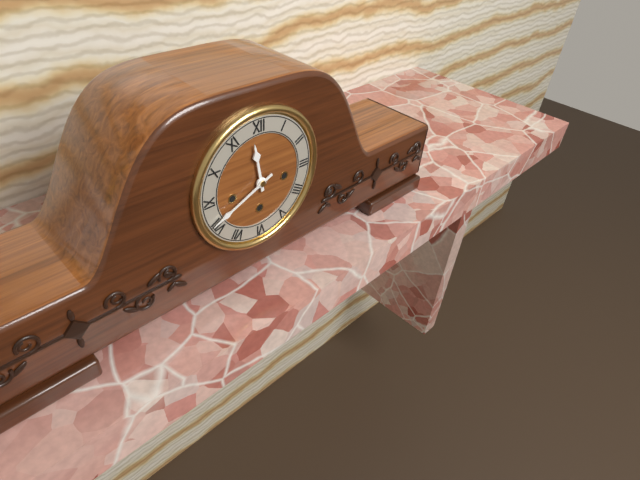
11.41
